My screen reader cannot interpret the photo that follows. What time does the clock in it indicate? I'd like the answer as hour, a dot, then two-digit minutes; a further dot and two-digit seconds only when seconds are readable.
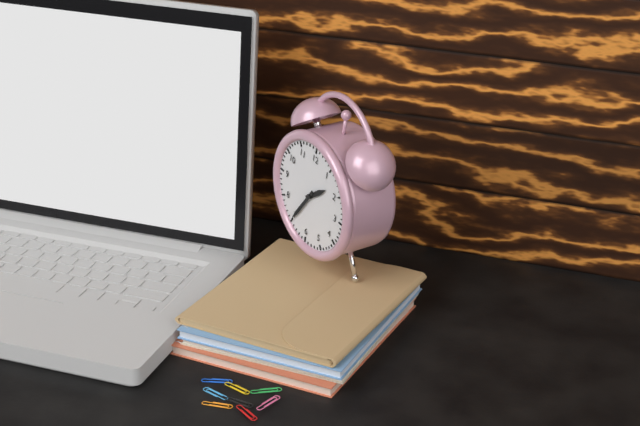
1.35
